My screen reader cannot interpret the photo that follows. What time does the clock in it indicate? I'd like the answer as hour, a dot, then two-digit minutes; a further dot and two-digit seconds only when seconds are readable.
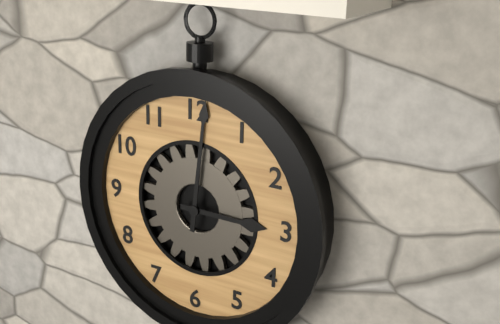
3.01
